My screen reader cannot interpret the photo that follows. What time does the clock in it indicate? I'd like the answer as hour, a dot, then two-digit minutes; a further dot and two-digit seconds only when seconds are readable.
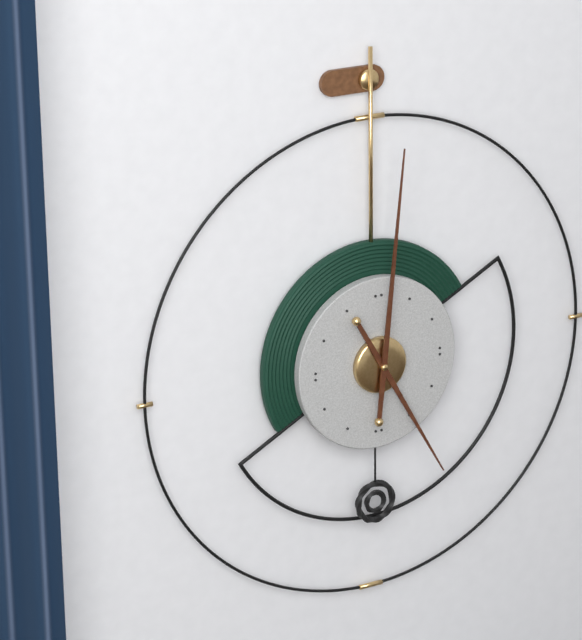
5.01
